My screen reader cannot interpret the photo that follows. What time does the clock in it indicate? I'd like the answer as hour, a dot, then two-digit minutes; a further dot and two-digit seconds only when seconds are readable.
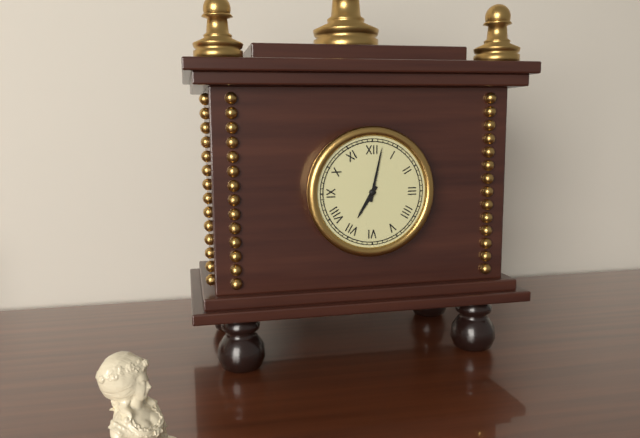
7.02
